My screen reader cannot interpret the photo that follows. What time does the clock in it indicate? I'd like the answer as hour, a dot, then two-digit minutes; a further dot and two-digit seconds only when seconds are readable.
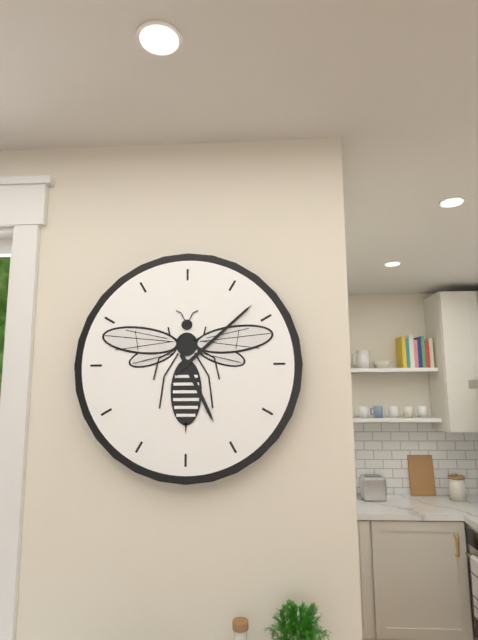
5.08
